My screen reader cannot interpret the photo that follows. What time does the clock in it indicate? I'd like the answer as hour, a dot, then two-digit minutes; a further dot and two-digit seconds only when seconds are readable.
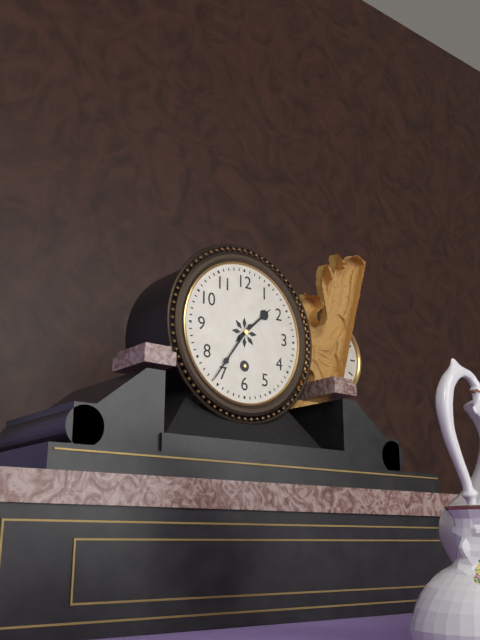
1.36
